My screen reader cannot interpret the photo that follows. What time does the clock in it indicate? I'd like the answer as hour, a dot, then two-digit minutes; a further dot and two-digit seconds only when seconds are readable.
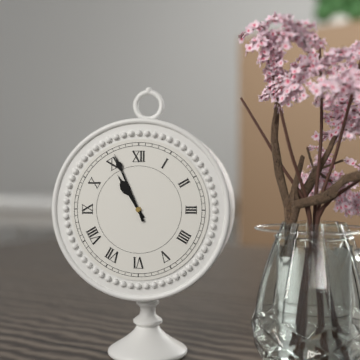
10.56
